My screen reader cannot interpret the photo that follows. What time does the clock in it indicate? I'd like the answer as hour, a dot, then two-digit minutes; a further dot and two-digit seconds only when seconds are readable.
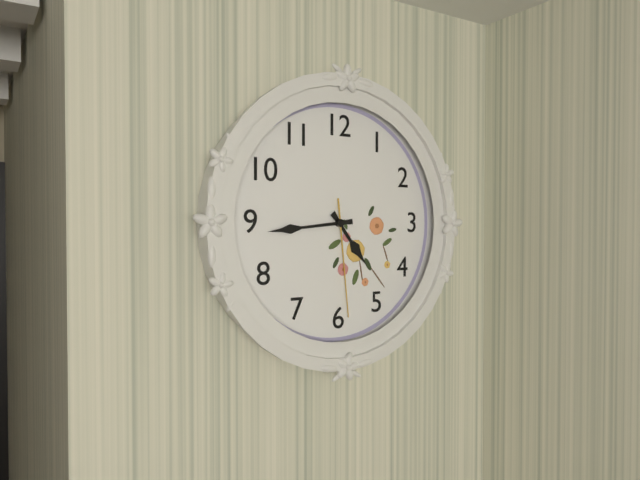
4.44.29
